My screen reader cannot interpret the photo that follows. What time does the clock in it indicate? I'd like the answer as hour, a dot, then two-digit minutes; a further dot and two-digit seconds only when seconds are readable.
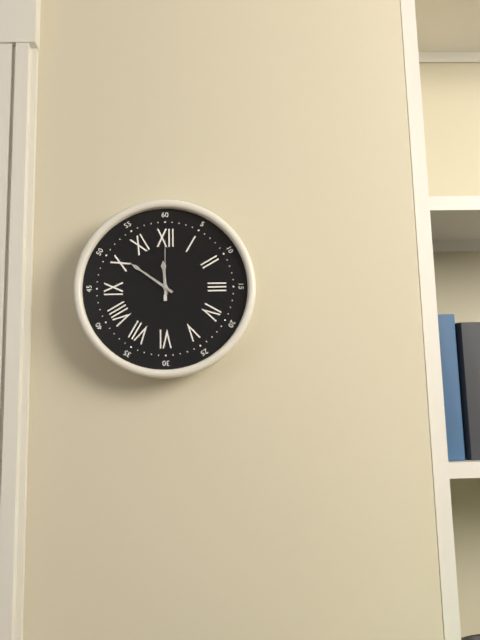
11.51.00
